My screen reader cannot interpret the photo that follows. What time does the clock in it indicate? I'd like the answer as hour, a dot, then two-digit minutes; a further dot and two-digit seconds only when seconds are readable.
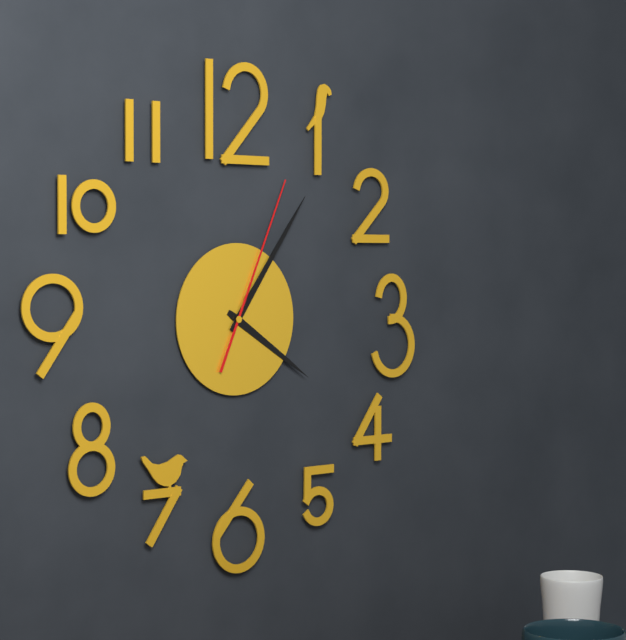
4.06.04
